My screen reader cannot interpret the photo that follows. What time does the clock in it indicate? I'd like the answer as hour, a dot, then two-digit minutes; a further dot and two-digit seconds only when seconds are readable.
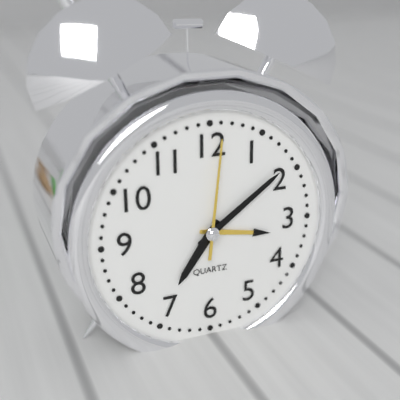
7.09.01
